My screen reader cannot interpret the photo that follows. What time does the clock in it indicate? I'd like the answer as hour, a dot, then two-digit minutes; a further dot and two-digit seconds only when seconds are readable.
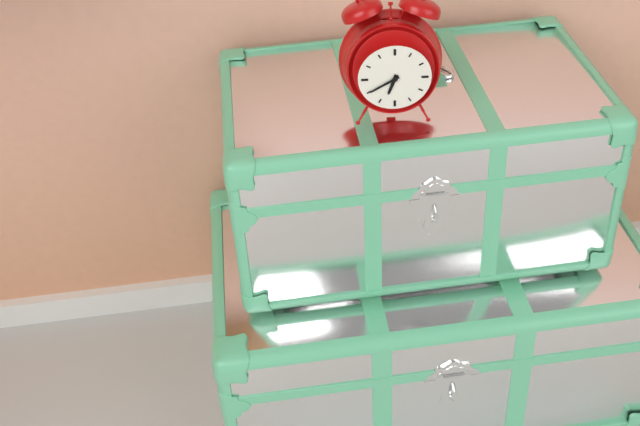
6.40
